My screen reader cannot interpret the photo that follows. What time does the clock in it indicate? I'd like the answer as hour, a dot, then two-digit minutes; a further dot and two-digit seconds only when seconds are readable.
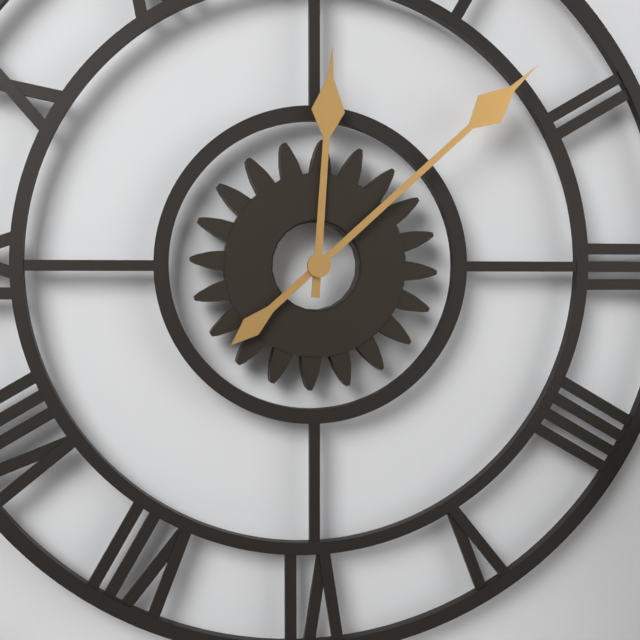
12.08
